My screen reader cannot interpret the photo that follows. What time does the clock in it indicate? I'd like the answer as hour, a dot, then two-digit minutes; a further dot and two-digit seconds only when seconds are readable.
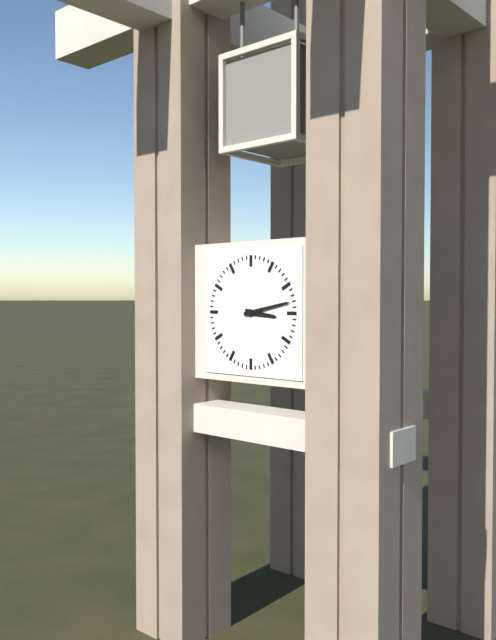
3.13
